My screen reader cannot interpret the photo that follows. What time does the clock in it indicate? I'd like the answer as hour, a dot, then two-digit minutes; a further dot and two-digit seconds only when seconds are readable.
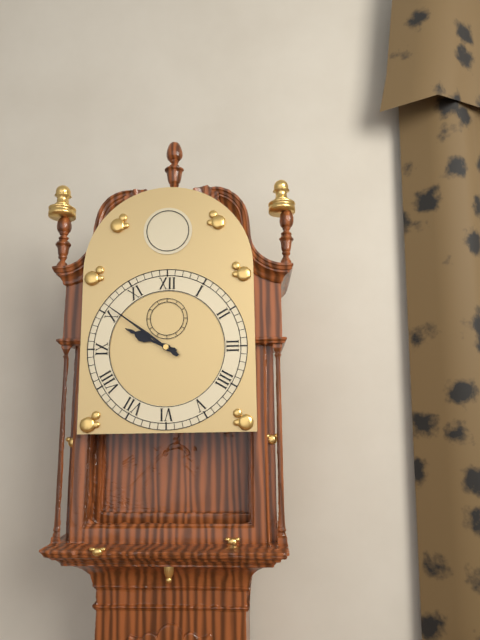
9.51
